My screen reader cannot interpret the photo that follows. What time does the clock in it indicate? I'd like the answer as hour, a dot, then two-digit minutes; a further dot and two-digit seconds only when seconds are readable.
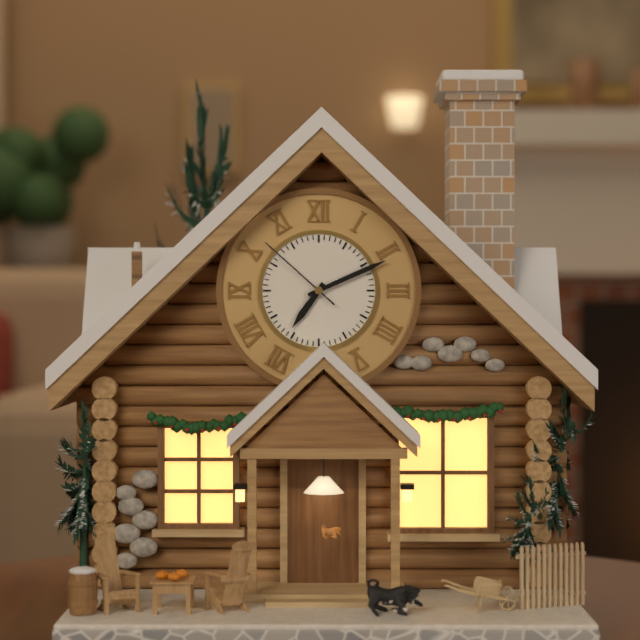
7.11.52
